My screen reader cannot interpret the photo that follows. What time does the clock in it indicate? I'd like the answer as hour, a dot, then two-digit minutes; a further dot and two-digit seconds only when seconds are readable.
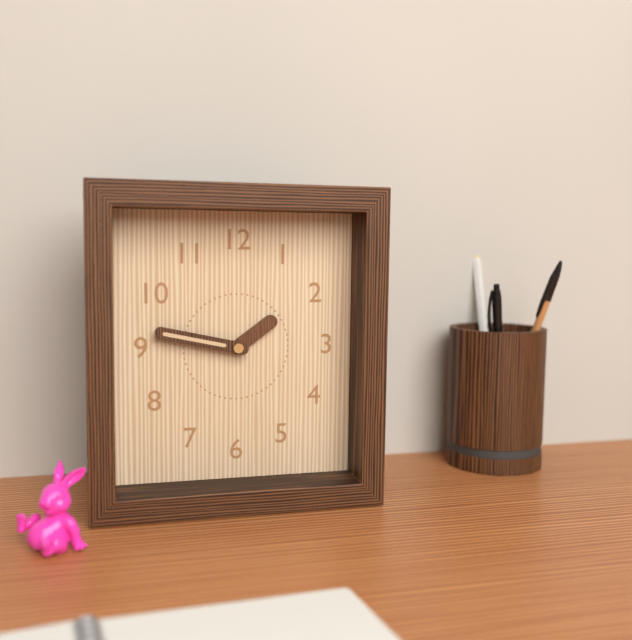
1.47
